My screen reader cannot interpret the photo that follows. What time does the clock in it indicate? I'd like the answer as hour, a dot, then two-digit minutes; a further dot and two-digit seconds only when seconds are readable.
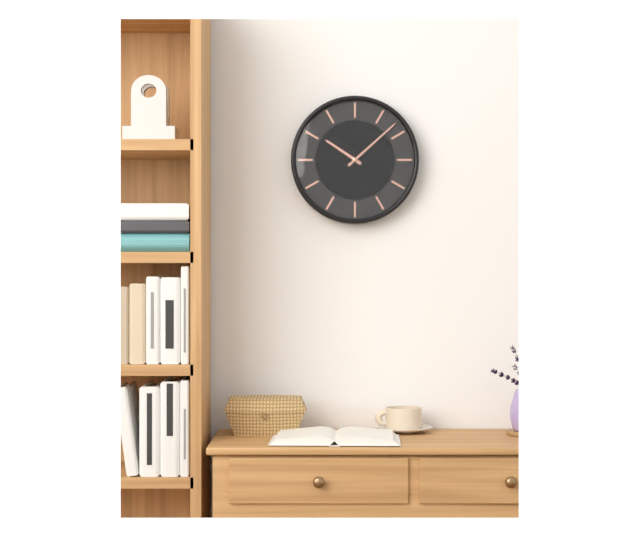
10.08
